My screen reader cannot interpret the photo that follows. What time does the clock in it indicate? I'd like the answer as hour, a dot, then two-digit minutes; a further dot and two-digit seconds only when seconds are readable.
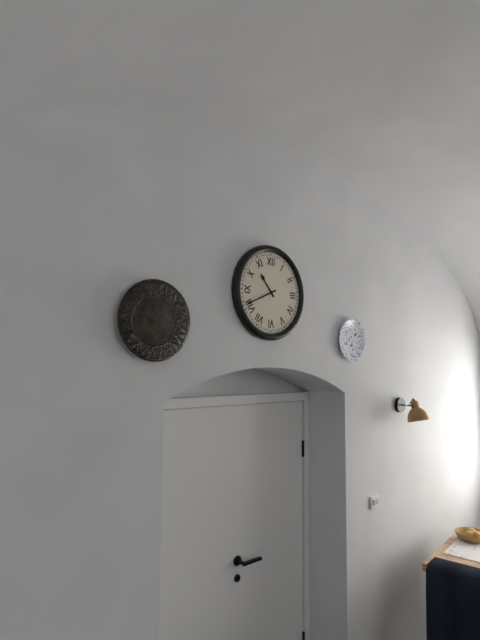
10.41
